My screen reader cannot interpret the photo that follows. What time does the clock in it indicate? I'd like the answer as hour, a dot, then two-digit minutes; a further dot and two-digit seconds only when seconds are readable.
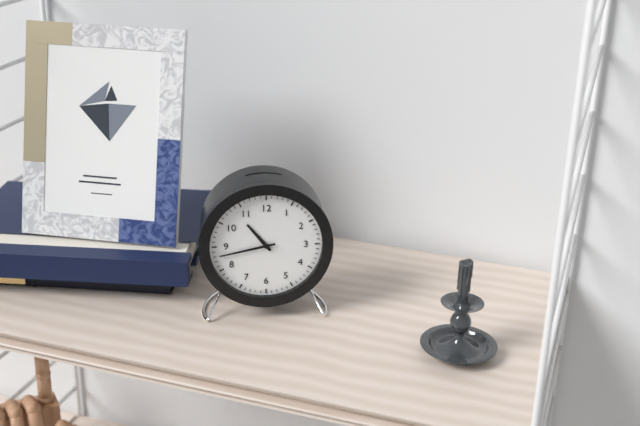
10.43
